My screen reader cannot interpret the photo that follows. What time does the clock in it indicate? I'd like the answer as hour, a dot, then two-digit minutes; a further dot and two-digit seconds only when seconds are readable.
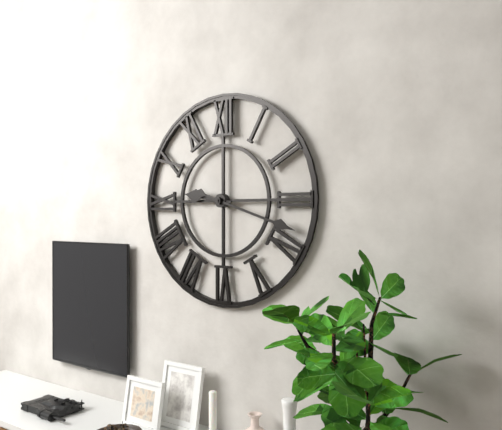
9.18
